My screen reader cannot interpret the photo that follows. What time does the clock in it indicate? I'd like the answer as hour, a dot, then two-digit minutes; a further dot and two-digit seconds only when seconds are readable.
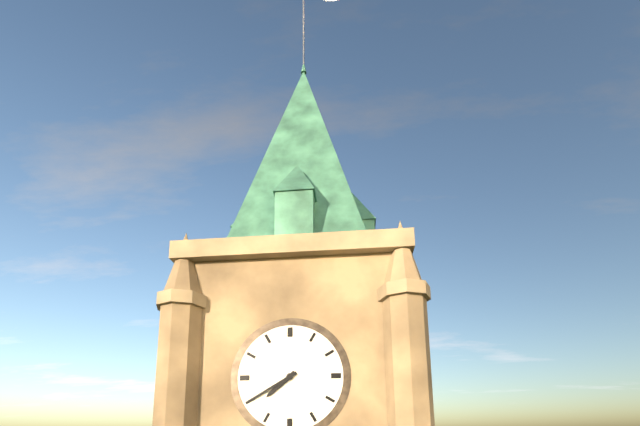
7.40
